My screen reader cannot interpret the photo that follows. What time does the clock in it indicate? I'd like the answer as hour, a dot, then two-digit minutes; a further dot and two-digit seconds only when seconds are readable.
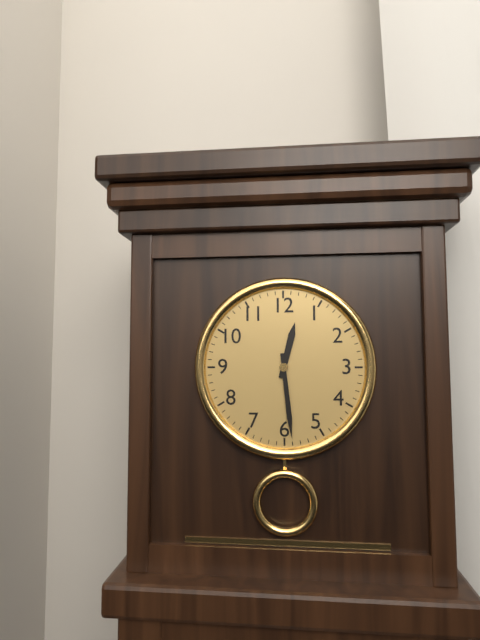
12.29
